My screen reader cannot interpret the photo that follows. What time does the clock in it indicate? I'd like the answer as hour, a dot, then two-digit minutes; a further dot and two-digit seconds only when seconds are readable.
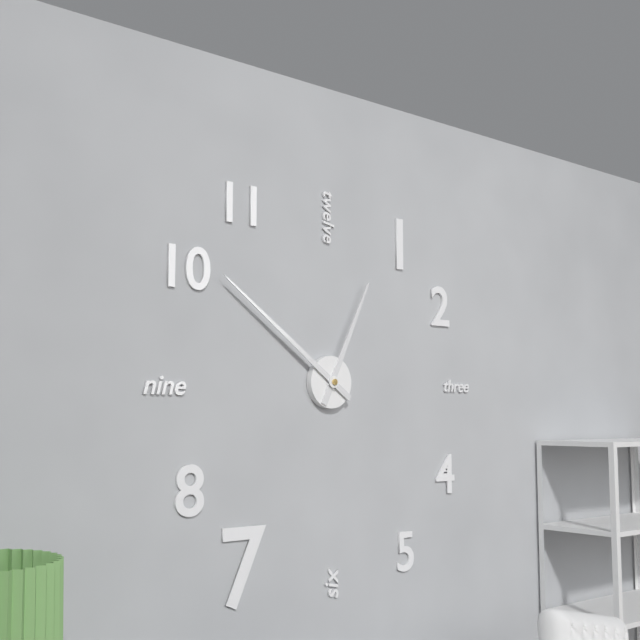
12.51
